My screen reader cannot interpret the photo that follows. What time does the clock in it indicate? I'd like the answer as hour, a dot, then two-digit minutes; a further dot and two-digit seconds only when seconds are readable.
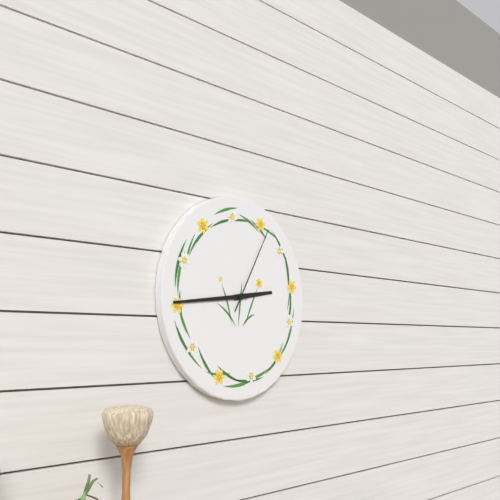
2.44.05
